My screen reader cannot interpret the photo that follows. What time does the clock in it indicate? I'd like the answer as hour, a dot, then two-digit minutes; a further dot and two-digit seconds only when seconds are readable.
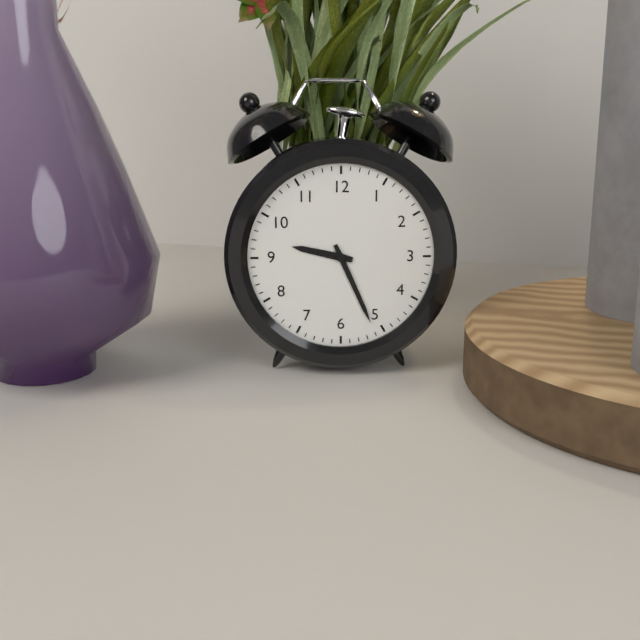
9.26
